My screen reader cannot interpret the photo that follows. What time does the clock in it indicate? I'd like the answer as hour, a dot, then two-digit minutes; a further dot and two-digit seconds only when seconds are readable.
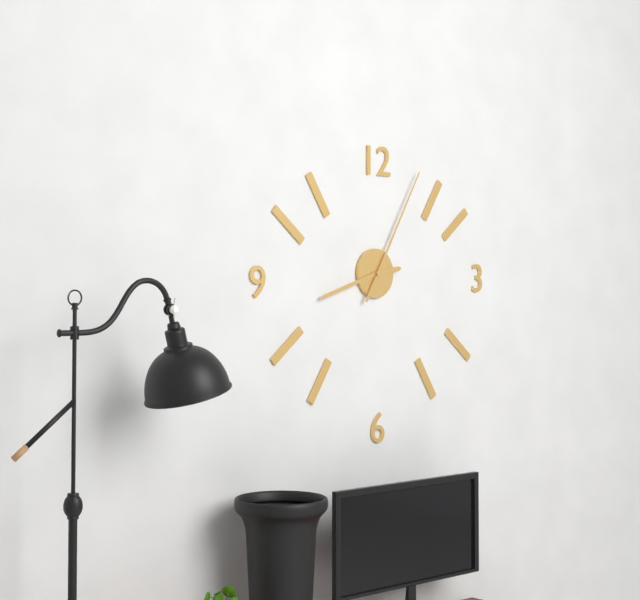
2.42.05
